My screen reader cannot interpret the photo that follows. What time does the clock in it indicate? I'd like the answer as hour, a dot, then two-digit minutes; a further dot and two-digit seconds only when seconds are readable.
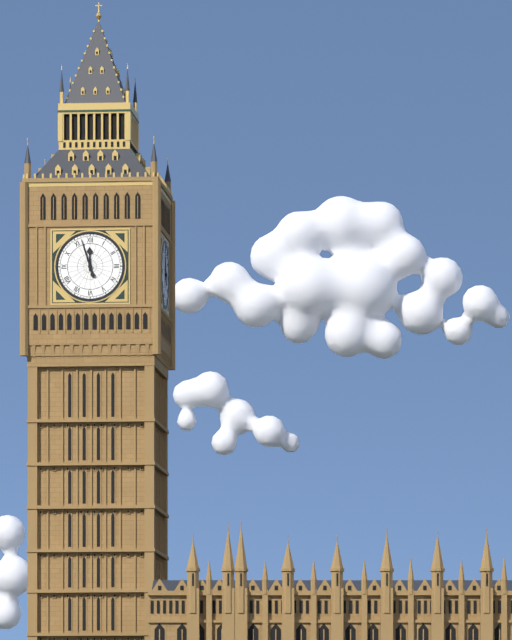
11.57
